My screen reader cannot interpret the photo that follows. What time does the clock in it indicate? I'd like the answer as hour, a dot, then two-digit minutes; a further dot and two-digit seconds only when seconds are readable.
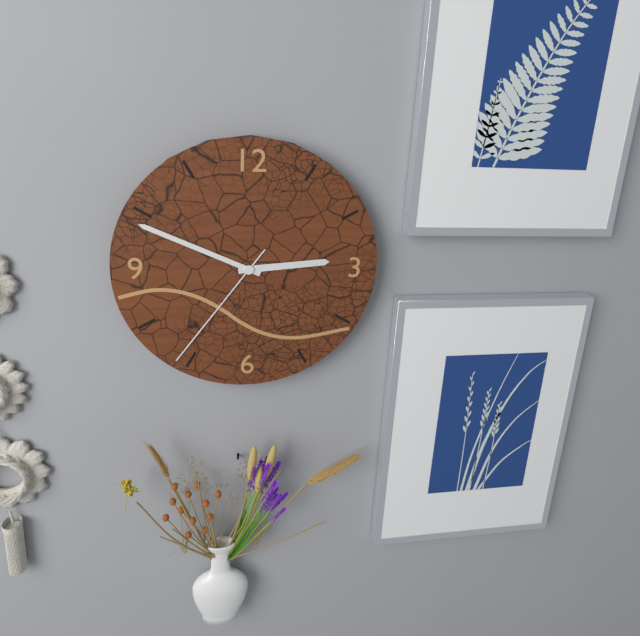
2.49.36
